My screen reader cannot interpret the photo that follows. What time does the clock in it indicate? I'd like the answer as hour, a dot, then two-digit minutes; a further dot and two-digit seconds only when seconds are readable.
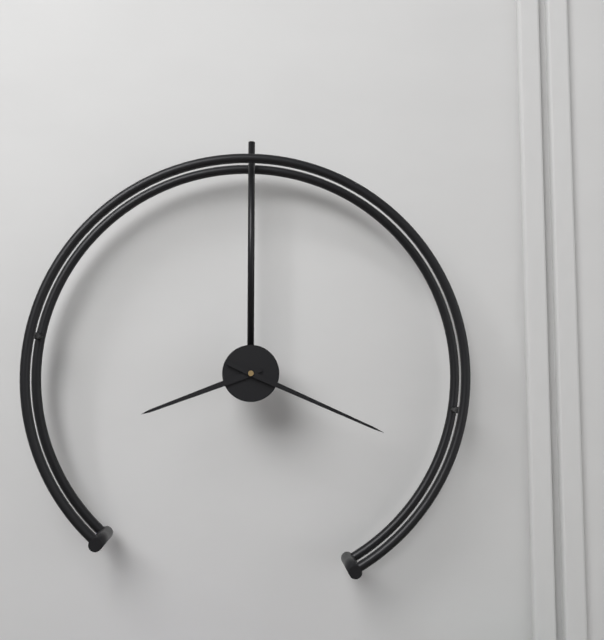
8.19
